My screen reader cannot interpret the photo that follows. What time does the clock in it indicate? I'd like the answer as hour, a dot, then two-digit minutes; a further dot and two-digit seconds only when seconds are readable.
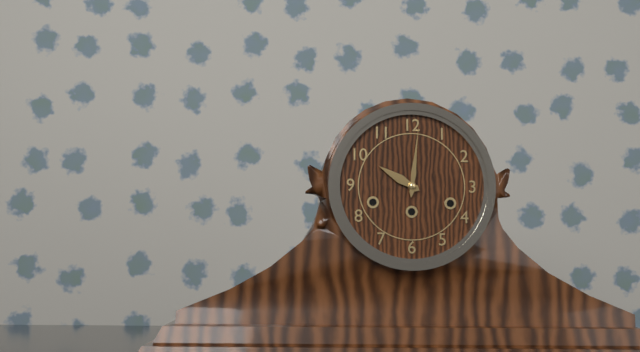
10.01
